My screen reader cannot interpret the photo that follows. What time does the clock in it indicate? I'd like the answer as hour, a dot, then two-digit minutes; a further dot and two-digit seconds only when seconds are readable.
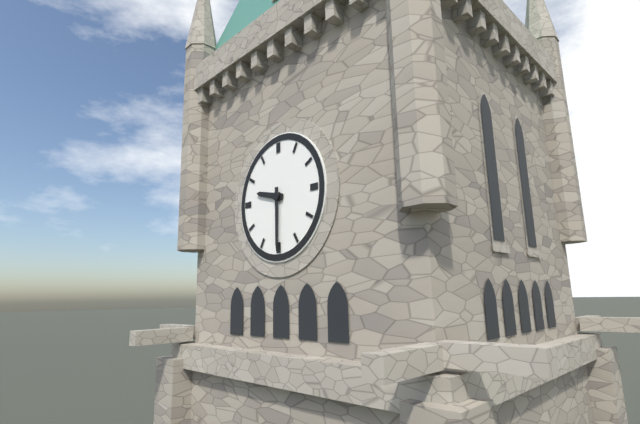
9.30
